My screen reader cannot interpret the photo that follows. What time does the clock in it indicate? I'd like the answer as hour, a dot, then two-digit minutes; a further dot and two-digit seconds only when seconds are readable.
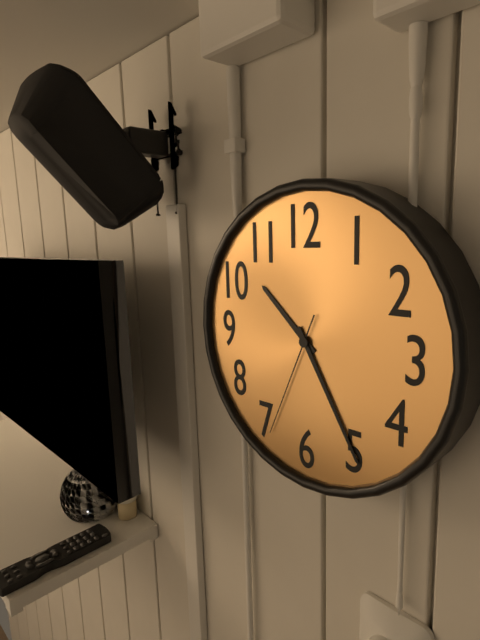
10.25.34
